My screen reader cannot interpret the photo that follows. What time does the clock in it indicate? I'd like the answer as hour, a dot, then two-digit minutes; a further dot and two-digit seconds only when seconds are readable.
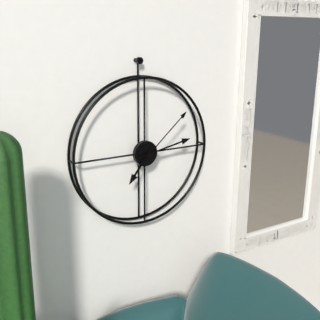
7.13.08
